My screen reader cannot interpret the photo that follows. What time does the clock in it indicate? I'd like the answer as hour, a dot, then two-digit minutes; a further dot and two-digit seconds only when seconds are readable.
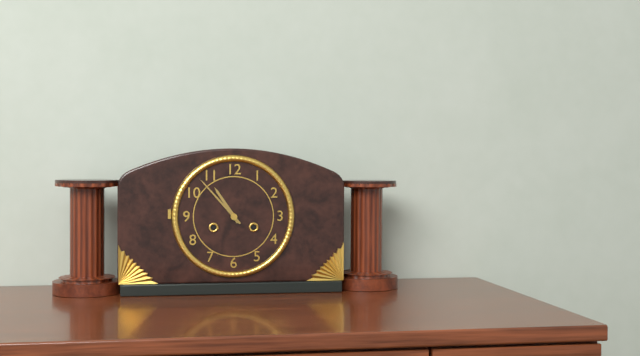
10.53
